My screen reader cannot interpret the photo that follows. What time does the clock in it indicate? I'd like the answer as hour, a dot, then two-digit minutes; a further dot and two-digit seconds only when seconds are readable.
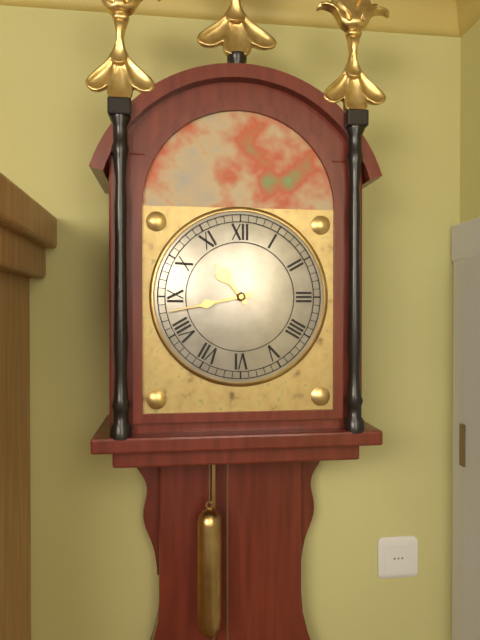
10.43
